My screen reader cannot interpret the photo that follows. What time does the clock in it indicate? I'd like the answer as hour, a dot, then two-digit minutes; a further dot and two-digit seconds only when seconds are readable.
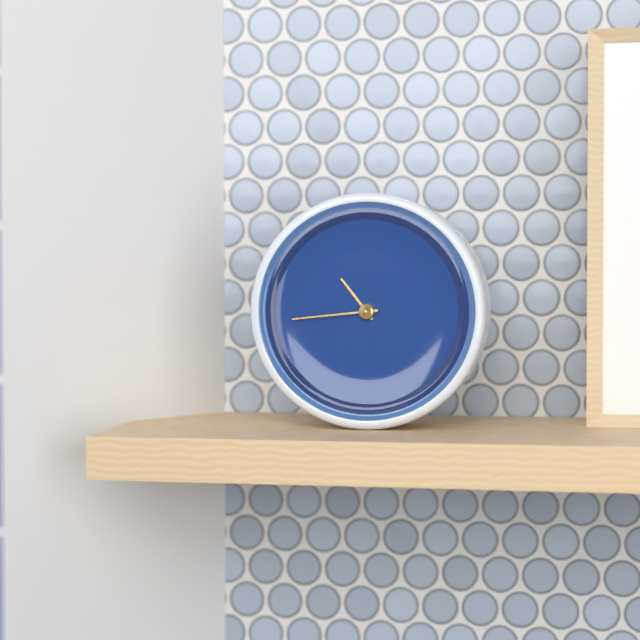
10.44
